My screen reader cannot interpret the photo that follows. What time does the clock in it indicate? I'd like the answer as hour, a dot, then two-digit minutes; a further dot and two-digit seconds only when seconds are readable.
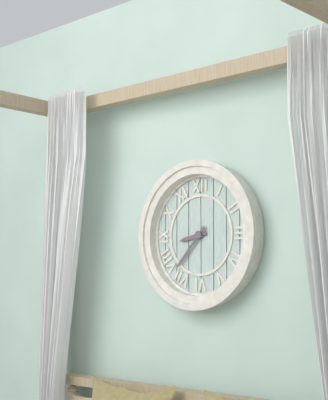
8.37
